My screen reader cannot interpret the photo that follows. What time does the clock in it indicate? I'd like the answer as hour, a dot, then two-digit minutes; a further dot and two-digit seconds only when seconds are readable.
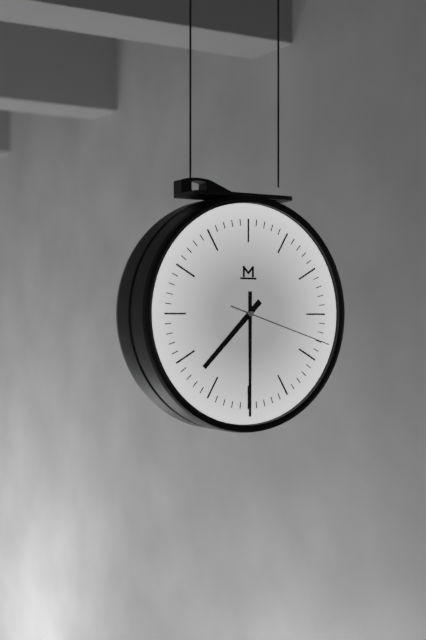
7.30.18
